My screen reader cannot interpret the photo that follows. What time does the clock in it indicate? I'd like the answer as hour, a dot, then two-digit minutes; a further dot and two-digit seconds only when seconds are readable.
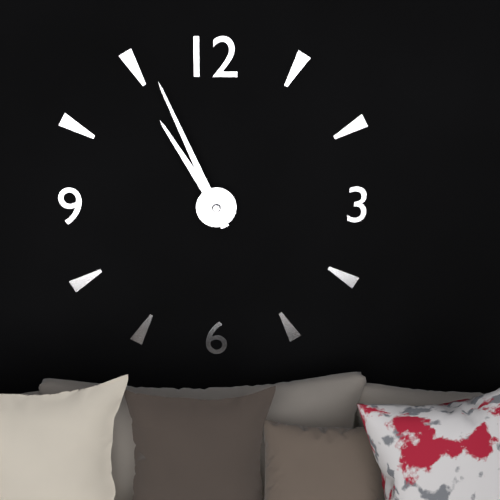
10.56
